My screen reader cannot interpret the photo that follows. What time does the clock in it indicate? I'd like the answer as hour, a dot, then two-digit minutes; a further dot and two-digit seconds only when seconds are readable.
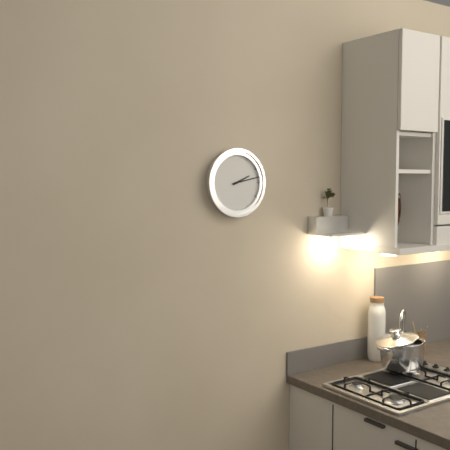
2.13
